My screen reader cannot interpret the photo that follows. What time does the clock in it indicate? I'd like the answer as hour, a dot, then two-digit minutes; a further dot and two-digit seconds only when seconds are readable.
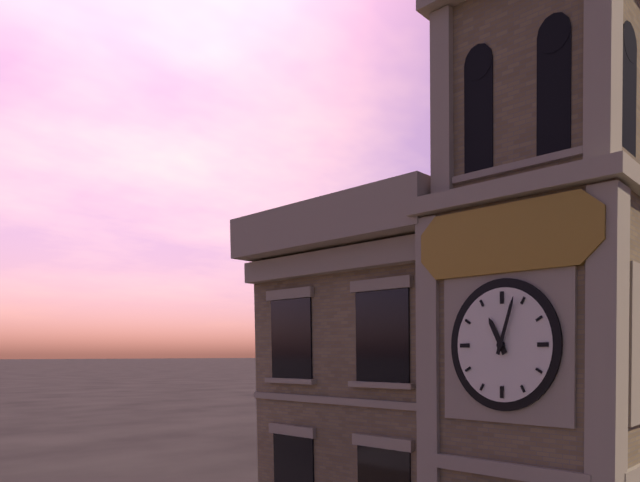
11.03
